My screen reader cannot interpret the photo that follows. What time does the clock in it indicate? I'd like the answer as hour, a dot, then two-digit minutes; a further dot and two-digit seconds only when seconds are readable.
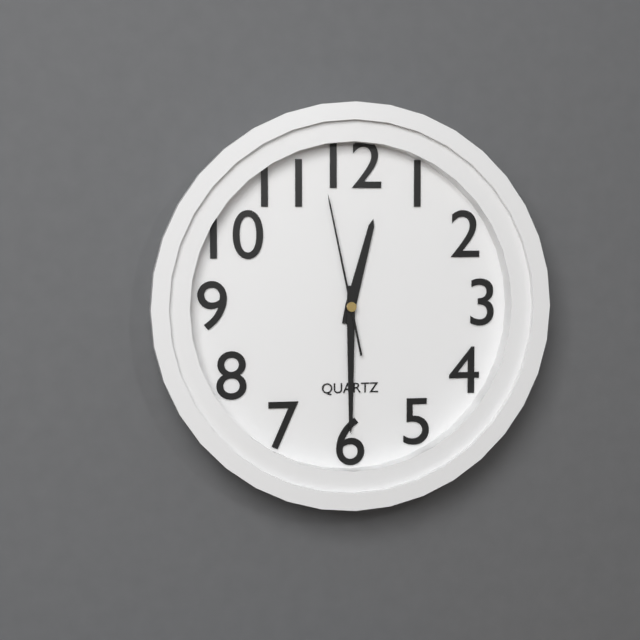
12.30.58
